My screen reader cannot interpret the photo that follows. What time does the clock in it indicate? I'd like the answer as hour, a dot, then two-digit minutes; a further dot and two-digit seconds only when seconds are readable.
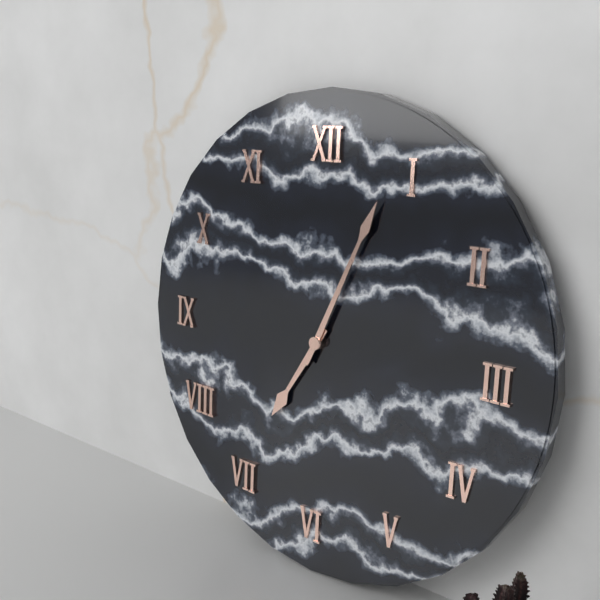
7.04
